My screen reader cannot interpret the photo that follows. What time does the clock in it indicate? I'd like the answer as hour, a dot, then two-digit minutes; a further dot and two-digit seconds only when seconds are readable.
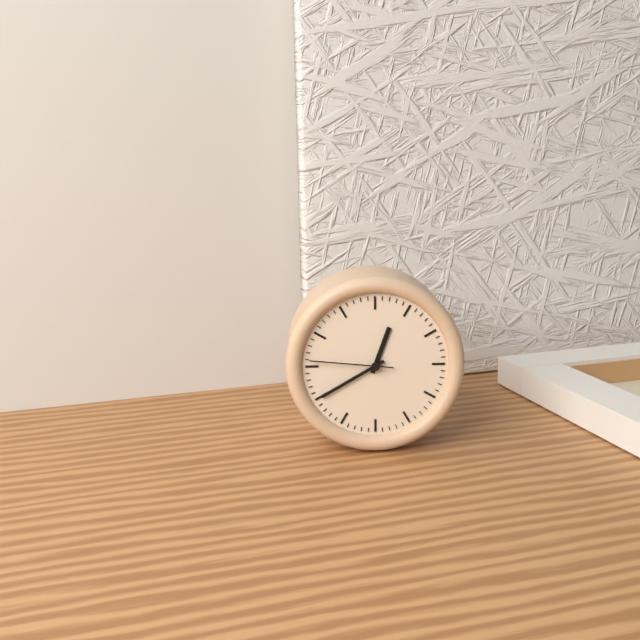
12.40.46
